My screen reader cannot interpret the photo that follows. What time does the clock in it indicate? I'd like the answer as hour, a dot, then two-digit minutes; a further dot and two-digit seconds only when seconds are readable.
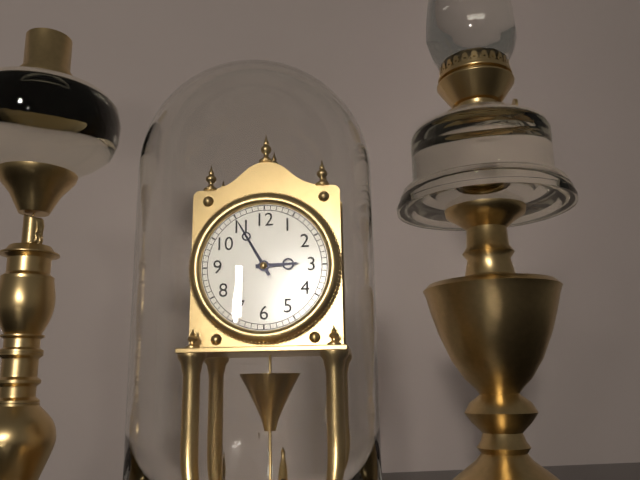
2.55
